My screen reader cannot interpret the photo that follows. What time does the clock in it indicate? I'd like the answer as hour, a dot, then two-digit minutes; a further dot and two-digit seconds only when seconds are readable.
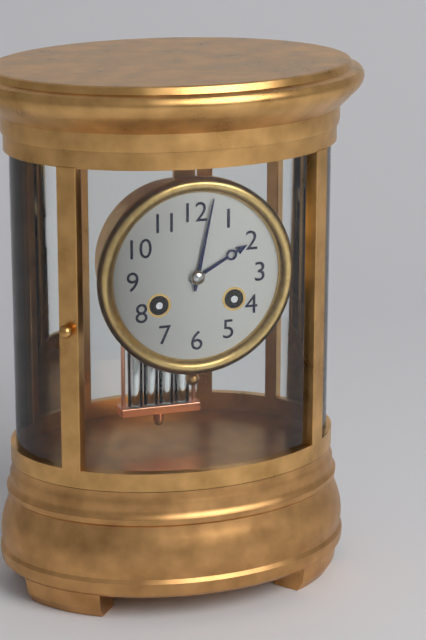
2.02
